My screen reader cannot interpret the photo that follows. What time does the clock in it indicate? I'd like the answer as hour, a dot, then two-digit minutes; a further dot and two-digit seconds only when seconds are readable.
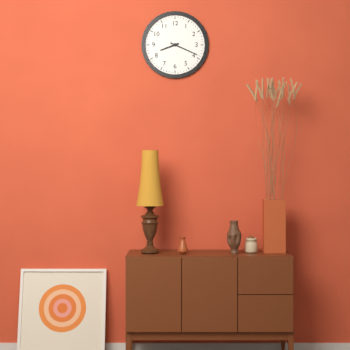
8.19
